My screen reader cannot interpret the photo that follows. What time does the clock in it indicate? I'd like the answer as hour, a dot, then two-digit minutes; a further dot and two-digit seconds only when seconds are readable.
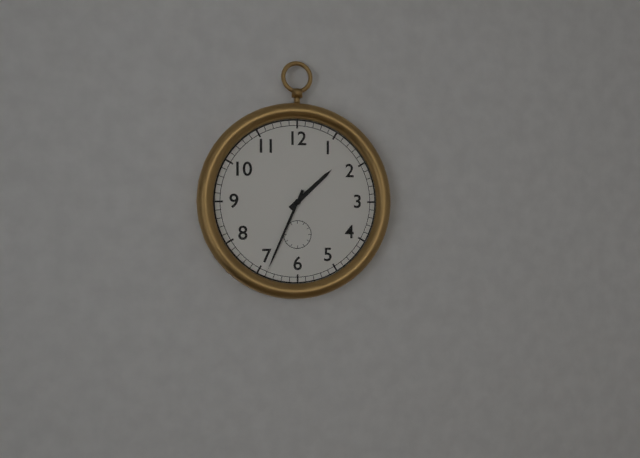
1.34
